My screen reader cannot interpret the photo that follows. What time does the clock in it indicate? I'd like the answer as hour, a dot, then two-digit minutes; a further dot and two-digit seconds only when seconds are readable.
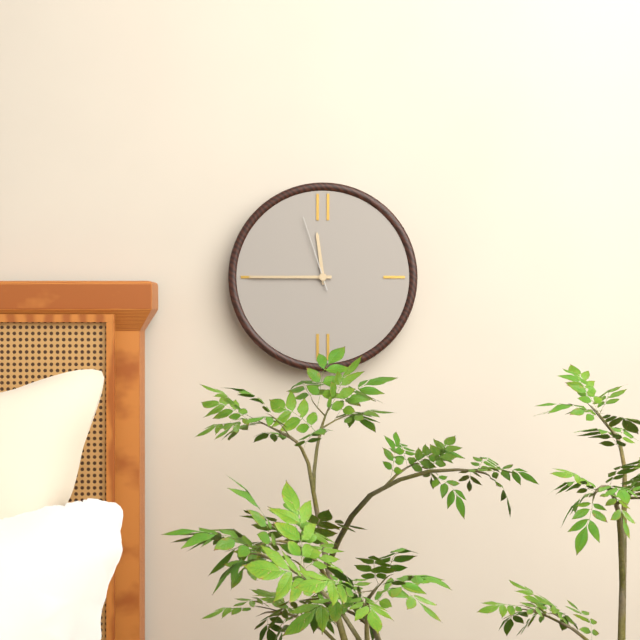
11.45.57
